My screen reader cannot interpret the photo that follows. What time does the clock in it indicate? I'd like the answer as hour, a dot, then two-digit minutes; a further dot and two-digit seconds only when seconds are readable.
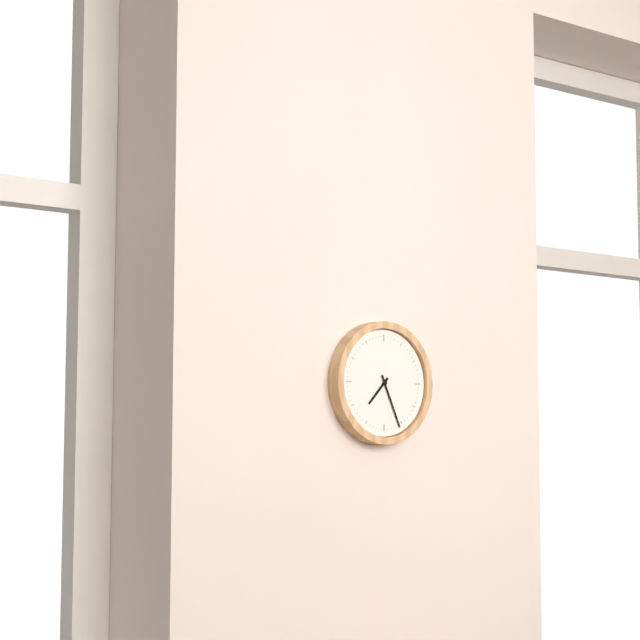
7.26
